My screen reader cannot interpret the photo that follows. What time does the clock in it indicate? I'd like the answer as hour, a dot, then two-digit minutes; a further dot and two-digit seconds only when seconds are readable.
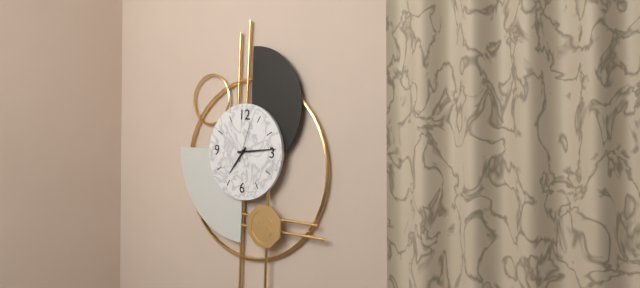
7.14
